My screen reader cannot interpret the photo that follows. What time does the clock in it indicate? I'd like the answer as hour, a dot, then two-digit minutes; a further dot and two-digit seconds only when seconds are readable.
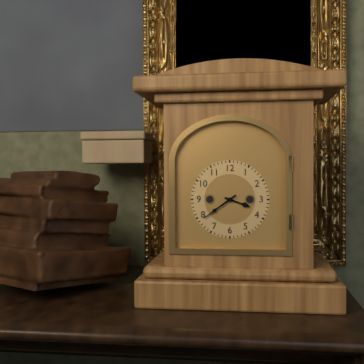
3.39
